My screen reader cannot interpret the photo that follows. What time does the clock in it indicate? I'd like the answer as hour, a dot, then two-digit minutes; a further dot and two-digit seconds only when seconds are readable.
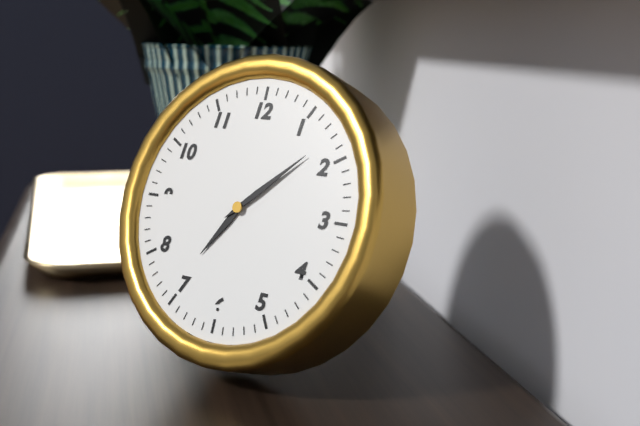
7.08
